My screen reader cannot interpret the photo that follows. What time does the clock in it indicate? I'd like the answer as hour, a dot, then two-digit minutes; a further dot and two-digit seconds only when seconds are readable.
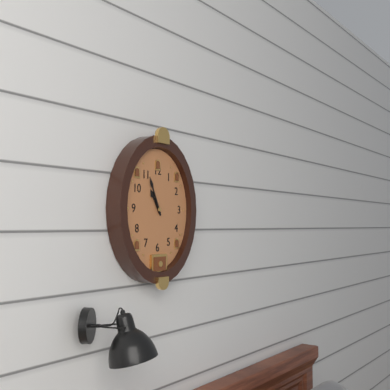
10.56
